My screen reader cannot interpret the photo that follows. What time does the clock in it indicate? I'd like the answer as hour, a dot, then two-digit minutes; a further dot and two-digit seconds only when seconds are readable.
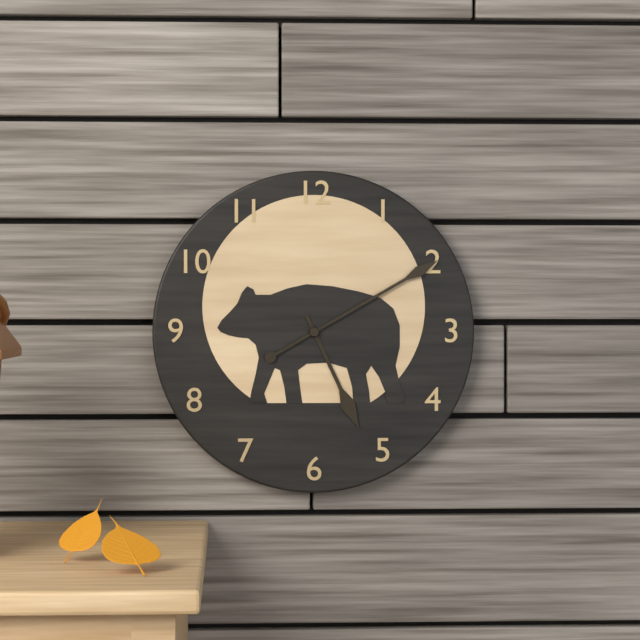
5.10
